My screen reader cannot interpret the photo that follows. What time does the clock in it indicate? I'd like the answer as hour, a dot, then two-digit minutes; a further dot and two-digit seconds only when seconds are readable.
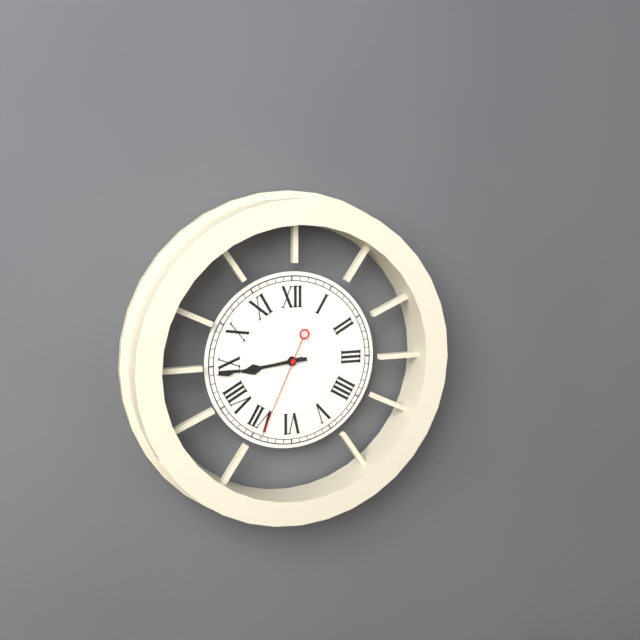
8.44.34
